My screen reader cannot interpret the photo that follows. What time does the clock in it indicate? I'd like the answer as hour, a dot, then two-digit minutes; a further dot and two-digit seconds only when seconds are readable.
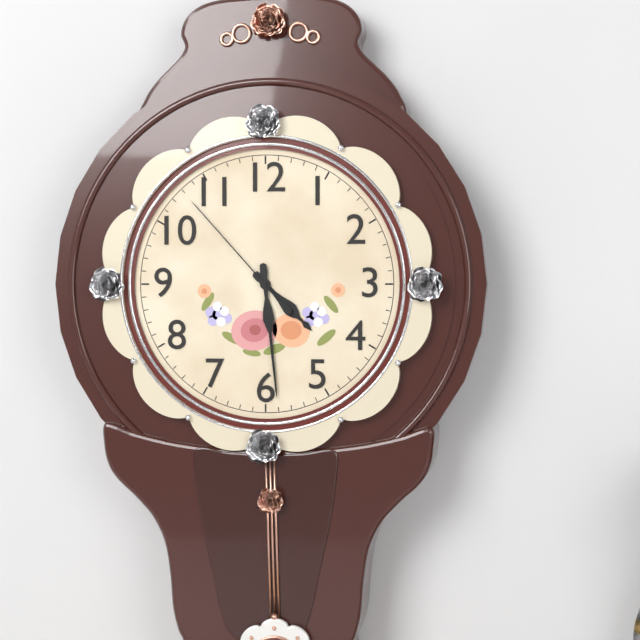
4.29.53
